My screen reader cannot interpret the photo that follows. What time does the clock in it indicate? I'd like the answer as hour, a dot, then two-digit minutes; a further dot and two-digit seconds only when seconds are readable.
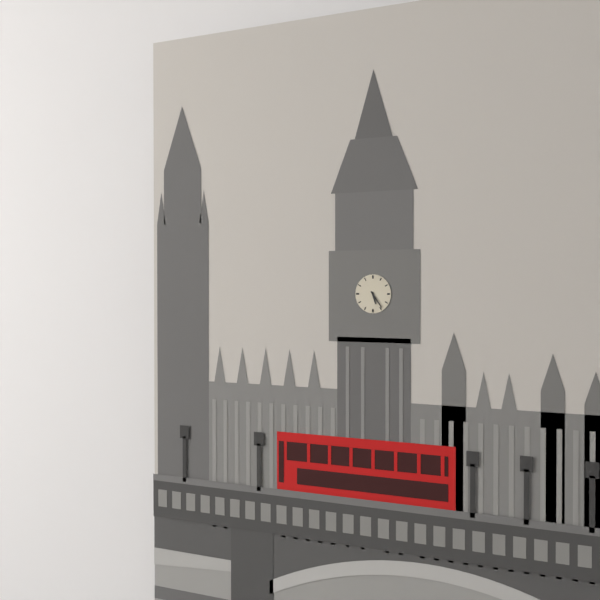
5.24
